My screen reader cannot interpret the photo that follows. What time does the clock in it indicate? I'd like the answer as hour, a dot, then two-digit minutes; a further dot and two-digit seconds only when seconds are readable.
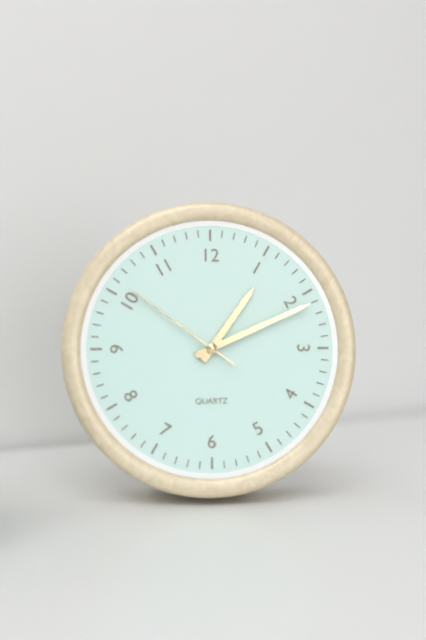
1.11.51
